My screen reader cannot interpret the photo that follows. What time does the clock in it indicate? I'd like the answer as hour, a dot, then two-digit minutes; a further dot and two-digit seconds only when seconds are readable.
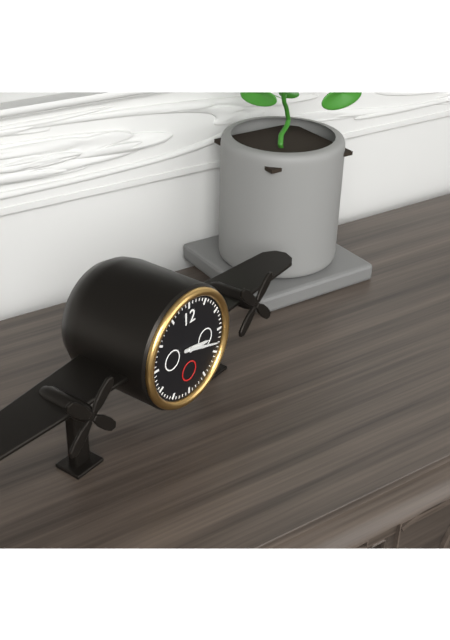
3.18
